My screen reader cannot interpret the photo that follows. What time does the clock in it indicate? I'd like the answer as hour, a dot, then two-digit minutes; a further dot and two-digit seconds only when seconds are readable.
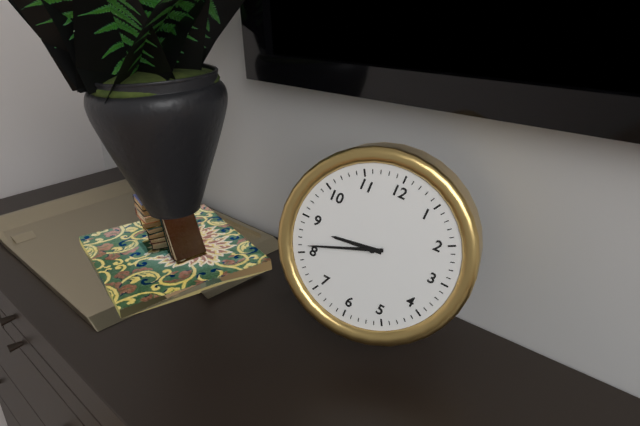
8.41
